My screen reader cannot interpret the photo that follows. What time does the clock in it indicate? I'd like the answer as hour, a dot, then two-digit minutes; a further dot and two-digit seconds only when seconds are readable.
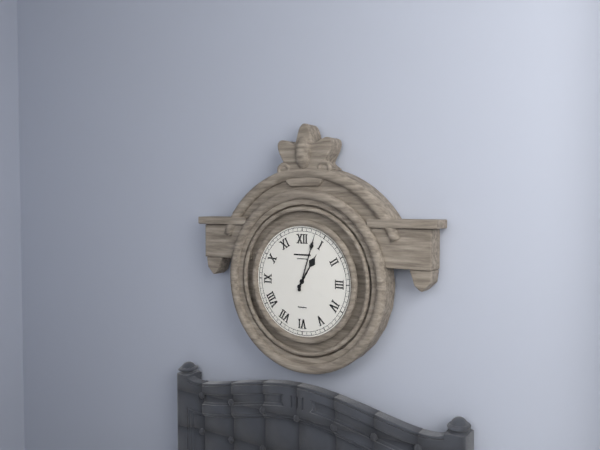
1.03
